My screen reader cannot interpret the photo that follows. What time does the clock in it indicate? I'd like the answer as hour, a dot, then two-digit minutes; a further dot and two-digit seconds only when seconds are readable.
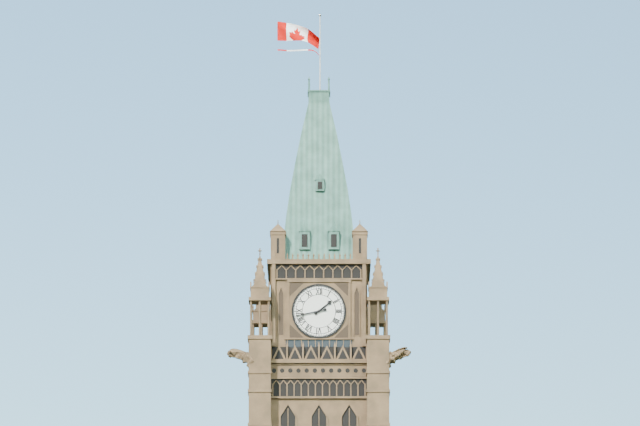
1.43
